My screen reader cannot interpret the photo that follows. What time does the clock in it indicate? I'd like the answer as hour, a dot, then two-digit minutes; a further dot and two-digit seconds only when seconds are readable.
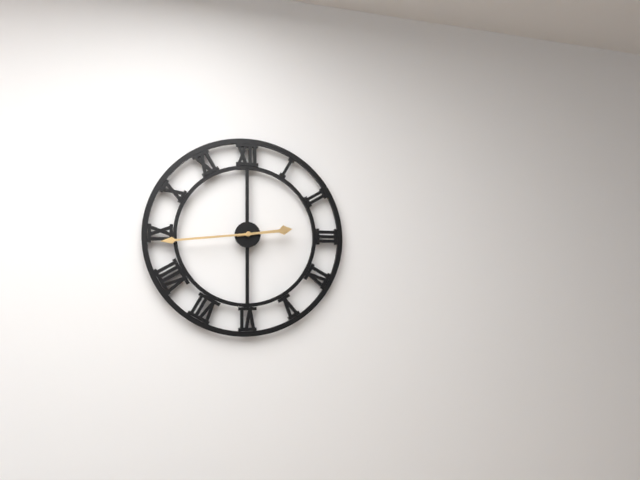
2.44
